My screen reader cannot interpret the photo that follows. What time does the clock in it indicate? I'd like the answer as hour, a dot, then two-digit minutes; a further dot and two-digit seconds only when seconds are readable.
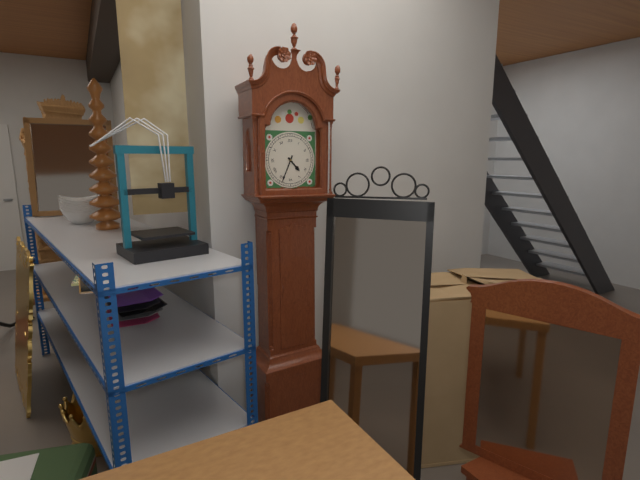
4.34
